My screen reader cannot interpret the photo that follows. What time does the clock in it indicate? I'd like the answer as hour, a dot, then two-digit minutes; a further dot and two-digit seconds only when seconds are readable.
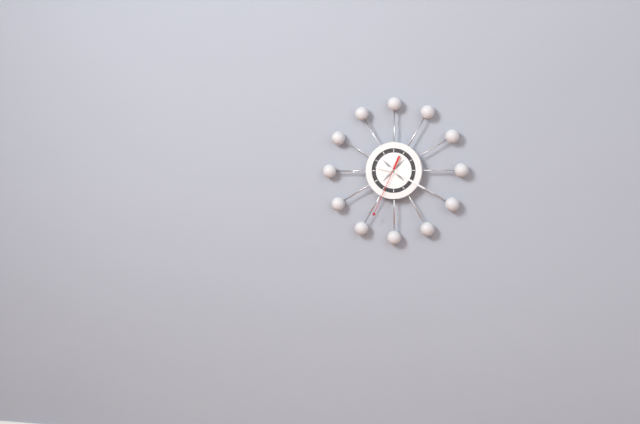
9.20.34
